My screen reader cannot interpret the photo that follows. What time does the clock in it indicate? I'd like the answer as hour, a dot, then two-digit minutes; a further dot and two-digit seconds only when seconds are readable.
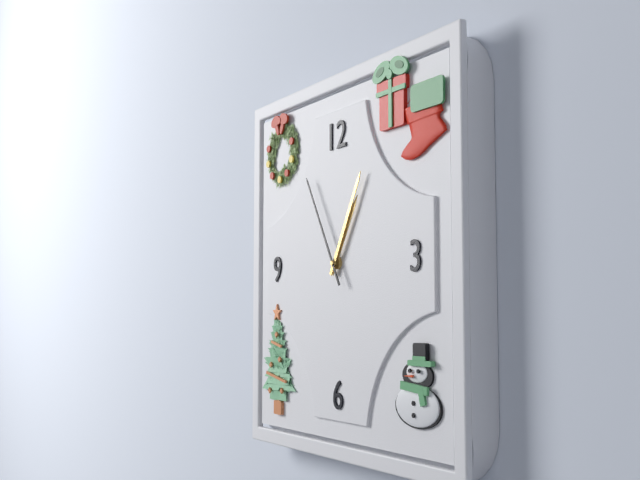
1.05.55
